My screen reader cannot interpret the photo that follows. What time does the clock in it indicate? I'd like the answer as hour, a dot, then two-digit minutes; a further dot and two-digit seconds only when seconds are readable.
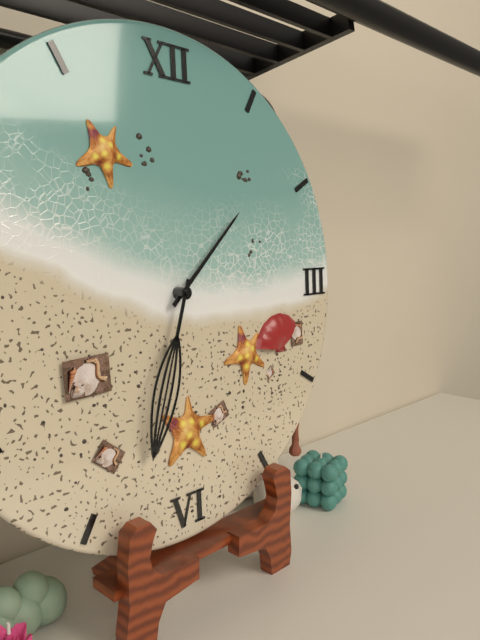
1.33
